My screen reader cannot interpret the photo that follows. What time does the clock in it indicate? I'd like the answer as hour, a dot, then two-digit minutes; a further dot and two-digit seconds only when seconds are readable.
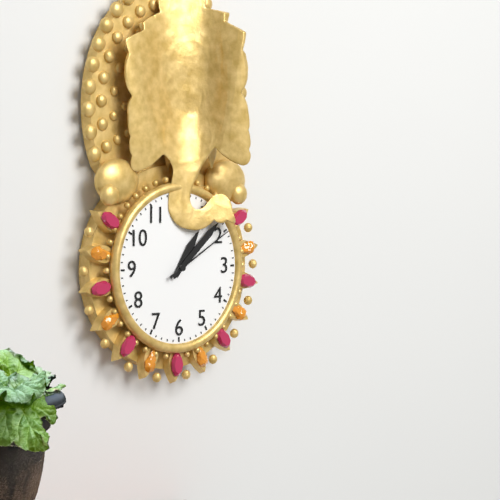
1.08.10
